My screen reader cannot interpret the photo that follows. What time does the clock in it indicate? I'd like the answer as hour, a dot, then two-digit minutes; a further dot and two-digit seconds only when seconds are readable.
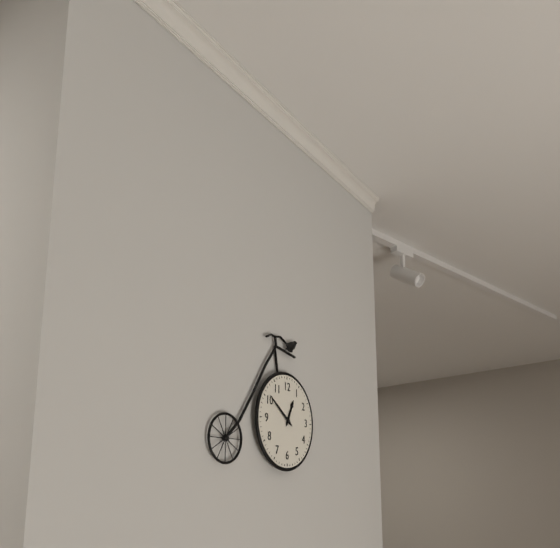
12.51
